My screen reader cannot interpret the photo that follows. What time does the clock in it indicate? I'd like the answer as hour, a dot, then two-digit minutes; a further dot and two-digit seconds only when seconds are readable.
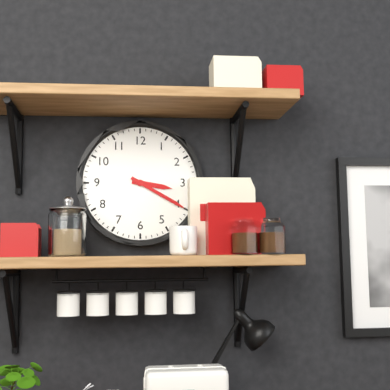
3.20
